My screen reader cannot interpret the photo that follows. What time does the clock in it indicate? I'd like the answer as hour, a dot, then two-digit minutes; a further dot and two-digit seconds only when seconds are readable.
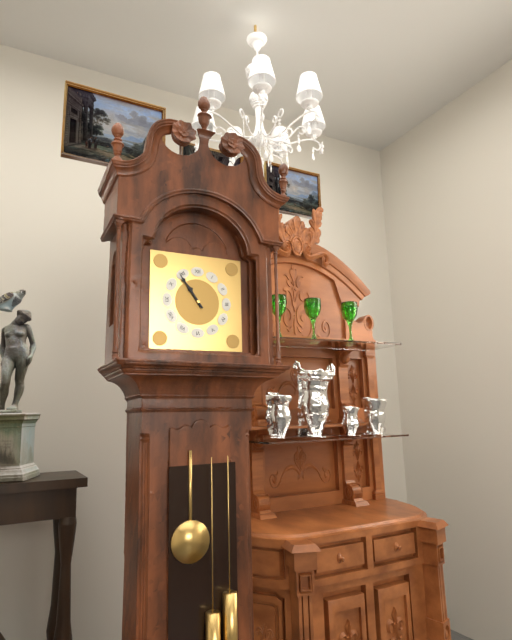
10.54
